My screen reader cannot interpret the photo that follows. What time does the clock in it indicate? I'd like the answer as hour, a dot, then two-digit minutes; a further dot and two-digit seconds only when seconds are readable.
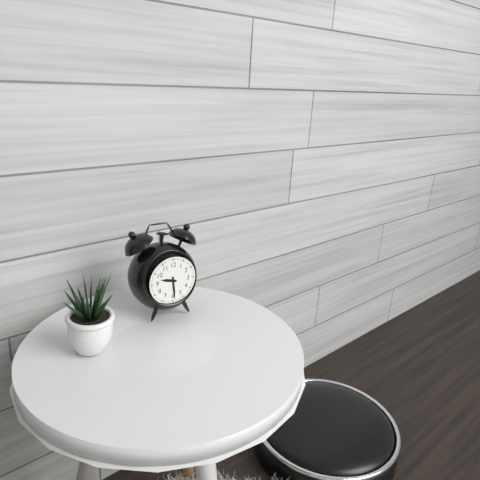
9.29
